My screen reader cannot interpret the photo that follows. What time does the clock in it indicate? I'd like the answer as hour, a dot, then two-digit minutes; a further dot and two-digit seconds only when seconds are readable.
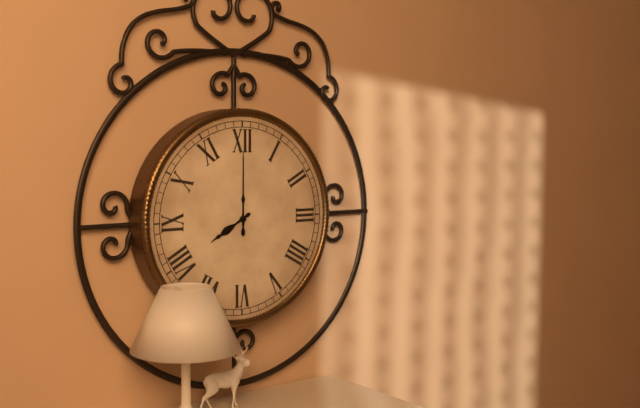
8.00
